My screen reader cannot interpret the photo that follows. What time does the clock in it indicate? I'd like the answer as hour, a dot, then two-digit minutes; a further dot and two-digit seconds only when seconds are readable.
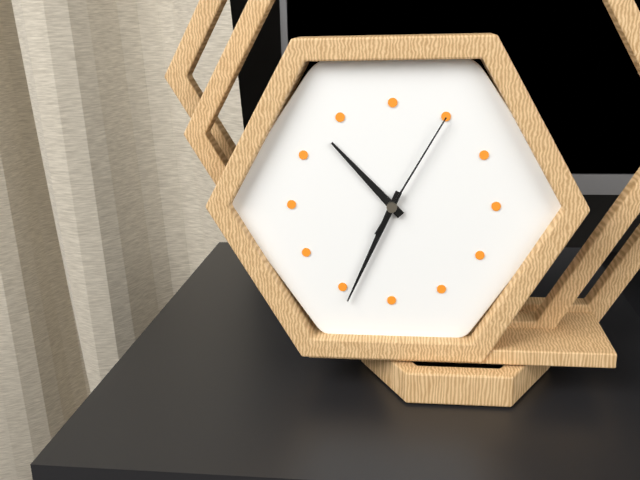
10.34.05
